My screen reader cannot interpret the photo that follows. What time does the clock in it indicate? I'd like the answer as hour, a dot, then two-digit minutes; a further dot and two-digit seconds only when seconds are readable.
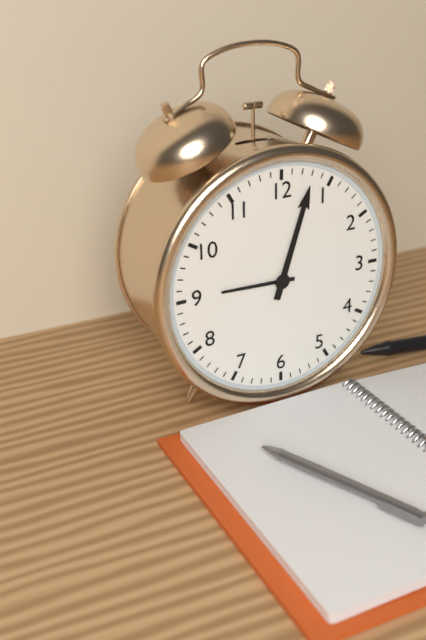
9.03
